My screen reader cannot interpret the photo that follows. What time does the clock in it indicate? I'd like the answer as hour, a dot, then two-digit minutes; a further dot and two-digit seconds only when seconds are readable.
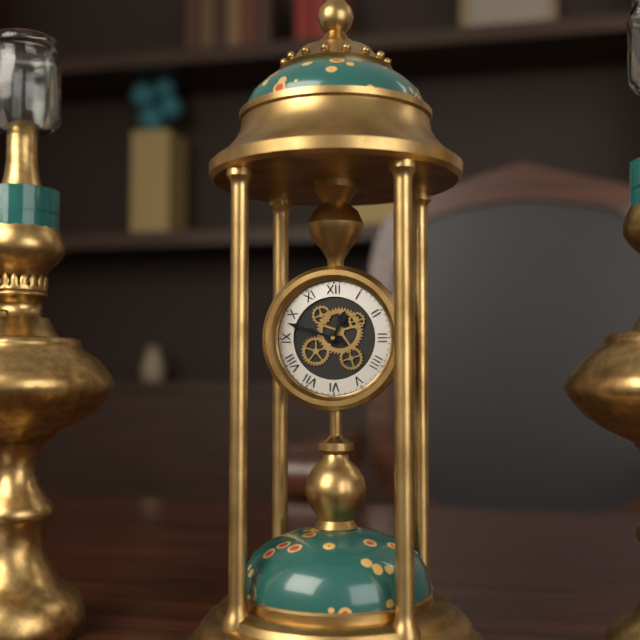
12.48
